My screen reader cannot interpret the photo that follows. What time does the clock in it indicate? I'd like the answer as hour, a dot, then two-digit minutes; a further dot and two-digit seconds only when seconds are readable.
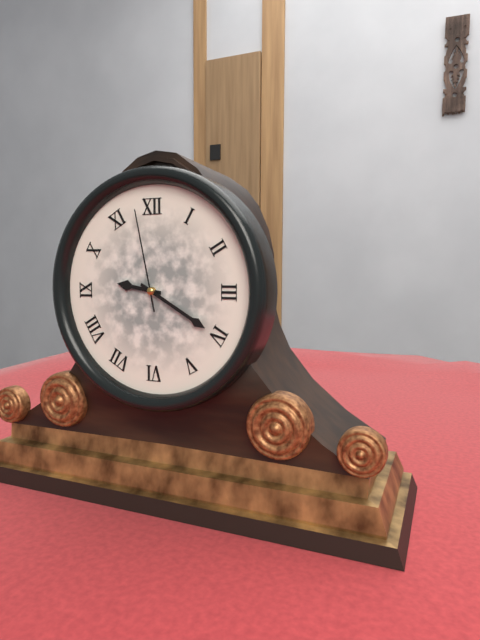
9.20.58
